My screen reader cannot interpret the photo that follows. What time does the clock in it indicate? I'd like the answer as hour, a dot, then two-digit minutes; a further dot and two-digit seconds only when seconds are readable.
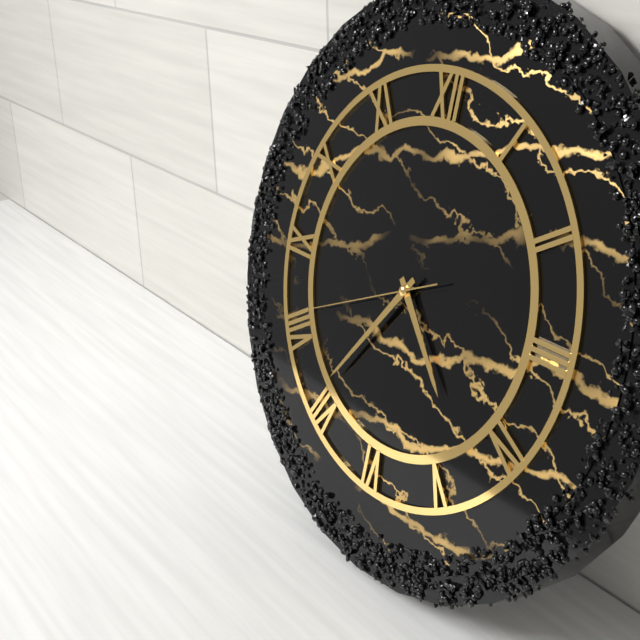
4.36.41
